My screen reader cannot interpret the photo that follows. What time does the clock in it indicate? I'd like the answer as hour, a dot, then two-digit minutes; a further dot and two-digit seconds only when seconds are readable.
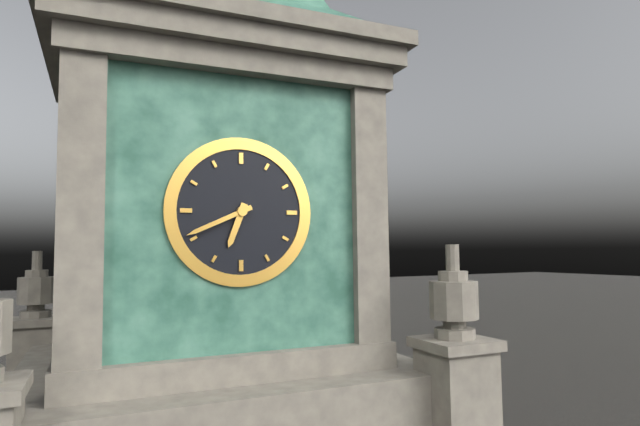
6.41
